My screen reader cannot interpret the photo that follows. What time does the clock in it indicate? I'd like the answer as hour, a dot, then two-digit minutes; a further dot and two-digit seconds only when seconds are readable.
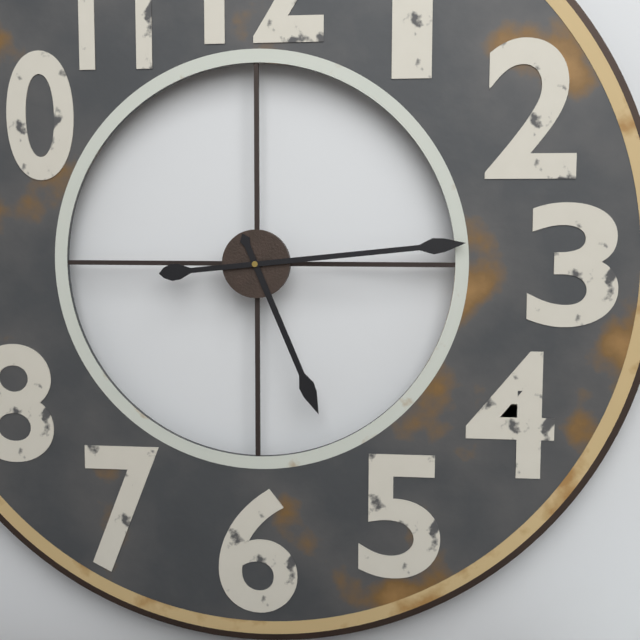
5.14
